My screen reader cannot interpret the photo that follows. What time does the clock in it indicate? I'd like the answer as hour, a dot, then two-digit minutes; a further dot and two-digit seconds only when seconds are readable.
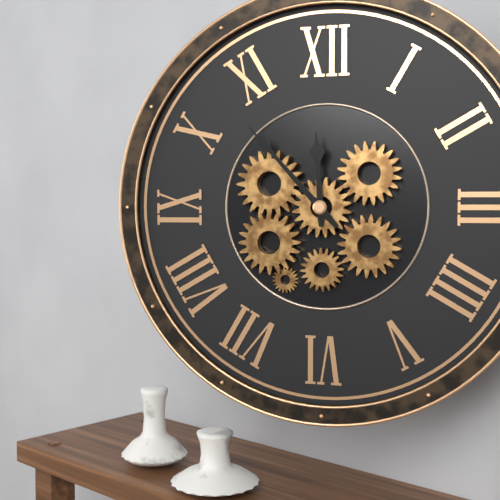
11.53
